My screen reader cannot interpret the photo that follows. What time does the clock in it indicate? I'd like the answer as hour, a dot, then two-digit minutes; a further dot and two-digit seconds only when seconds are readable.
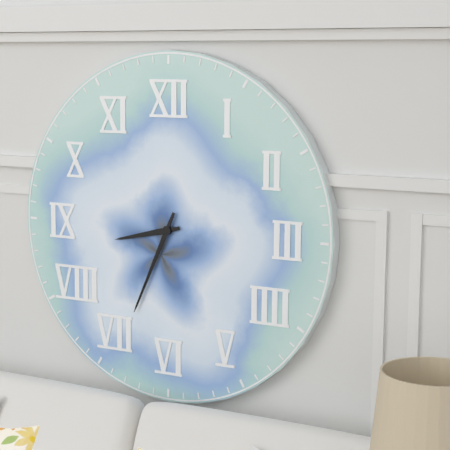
8.34
